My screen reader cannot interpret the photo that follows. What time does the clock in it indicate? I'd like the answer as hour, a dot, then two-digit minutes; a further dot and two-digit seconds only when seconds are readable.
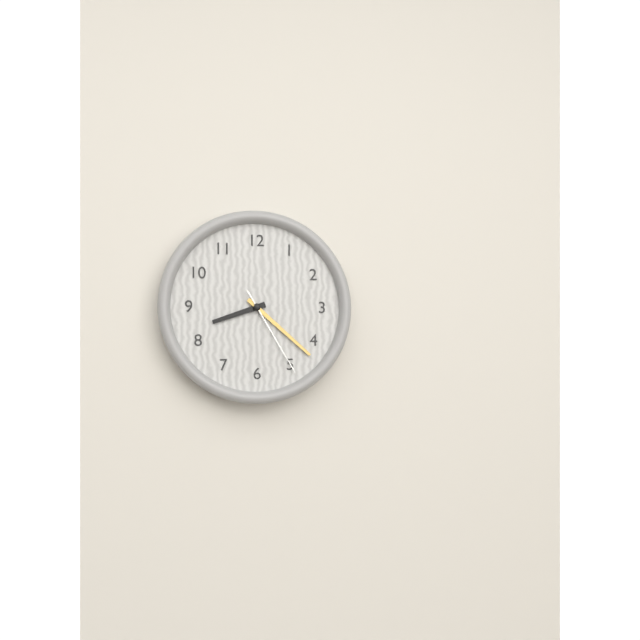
8.22.25
